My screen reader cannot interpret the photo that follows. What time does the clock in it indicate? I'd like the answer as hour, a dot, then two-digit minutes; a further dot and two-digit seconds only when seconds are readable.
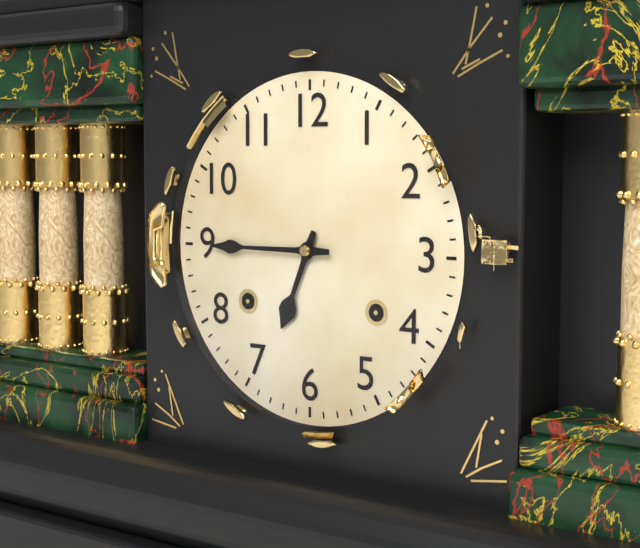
6.45
